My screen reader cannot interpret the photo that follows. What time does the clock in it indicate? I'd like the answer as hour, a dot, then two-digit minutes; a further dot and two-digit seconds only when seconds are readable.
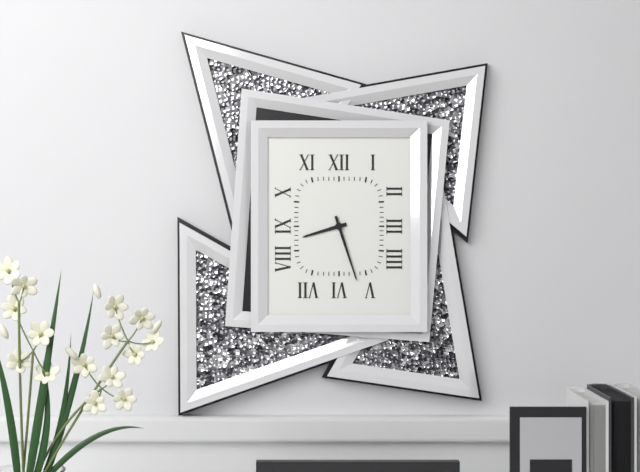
8.27
